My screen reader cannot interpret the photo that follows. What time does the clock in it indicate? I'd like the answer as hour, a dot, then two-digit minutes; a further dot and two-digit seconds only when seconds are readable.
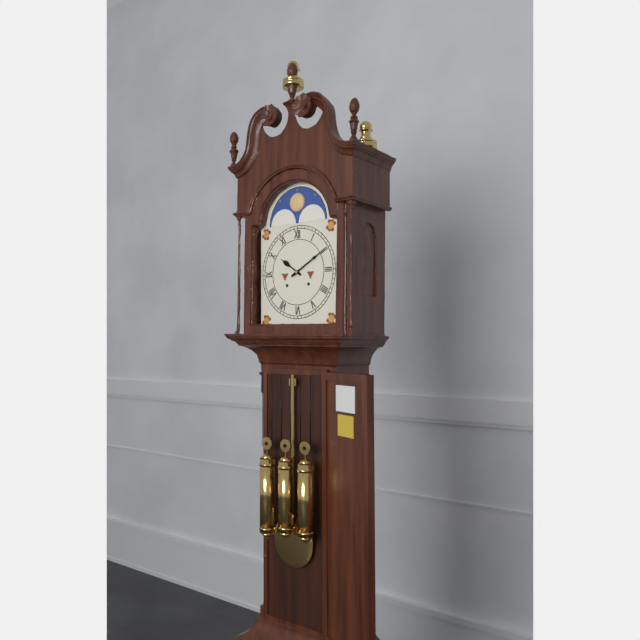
10.10
